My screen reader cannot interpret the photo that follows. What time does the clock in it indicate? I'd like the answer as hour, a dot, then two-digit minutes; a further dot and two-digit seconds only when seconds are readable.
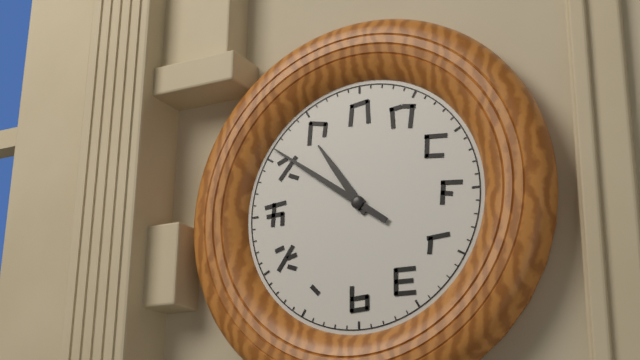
10.51
